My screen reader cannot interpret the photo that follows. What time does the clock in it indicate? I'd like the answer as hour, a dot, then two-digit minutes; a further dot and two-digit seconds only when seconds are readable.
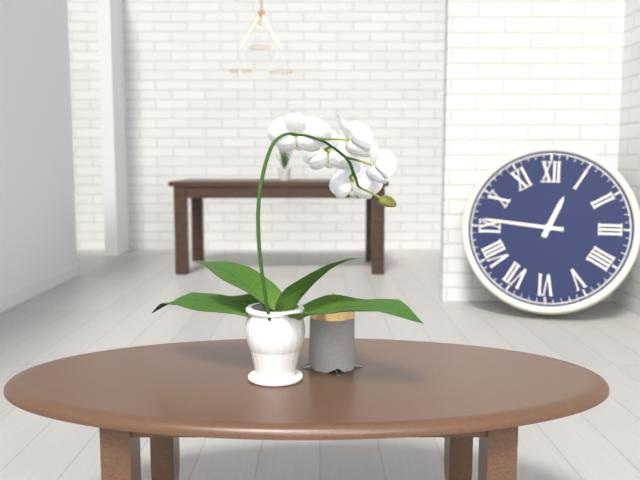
12.46
